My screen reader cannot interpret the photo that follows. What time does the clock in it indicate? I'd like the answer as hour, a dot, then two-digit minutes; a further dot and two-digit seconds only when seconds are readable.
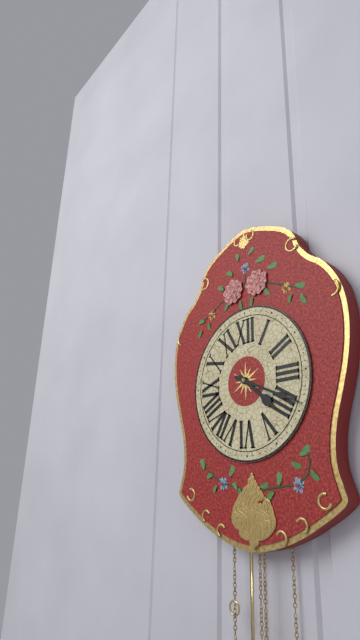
4.19
